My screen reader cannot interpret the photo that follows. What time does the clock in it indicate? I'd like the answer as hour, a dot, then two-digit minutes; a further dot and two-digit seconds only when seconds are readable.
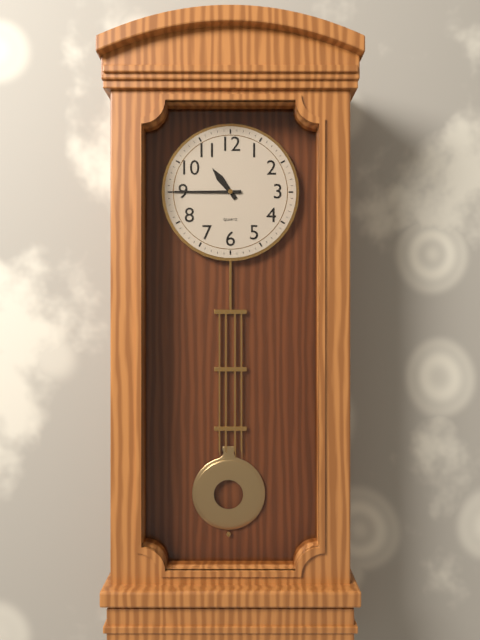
10.45
